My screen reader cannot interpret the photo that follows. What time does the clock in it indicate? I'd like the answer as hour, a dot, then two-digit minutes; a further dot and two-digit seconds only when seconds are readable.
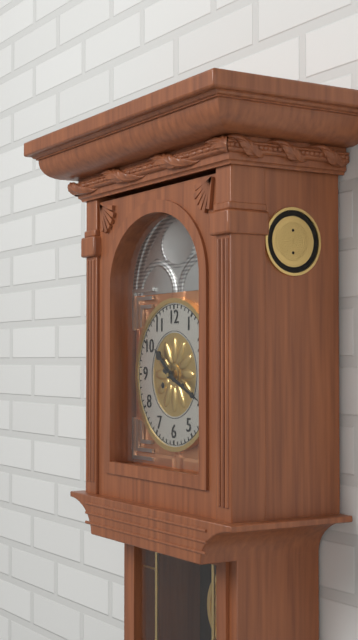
10.19
